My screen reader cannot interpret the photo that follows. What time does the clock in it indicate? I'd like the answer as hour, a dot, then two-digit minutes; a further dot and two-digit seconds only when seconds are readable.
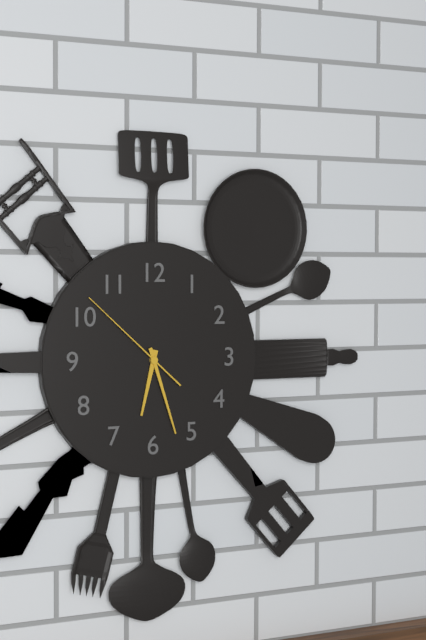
6.27.52
